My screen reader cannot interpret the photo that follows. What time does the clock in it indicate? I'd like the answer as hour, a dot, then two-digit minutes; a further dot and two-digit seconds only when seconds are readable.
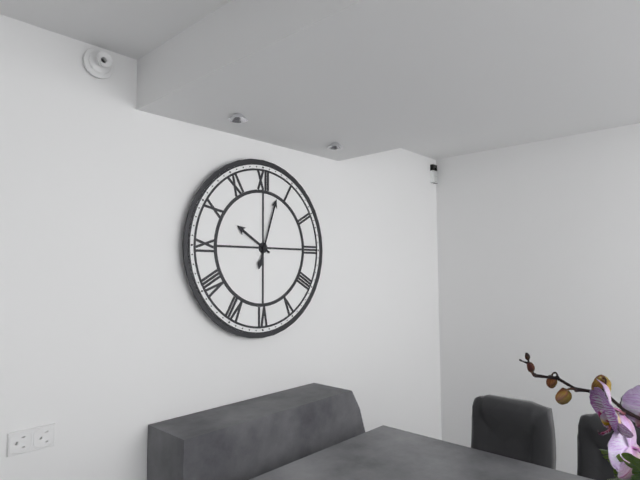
10.03
